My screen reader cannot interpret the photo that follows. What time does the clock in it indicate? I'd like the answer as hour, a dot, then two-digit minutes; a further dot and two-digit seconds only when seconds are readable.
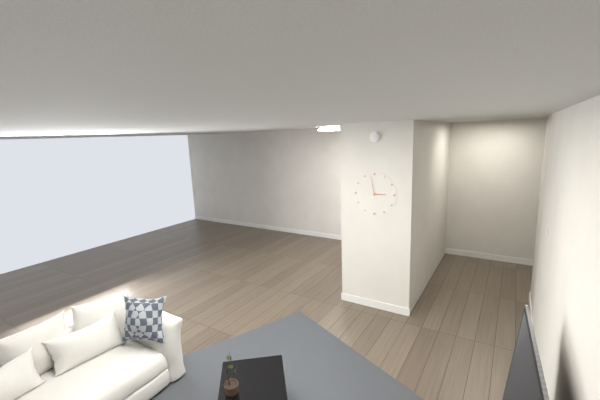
2.58
